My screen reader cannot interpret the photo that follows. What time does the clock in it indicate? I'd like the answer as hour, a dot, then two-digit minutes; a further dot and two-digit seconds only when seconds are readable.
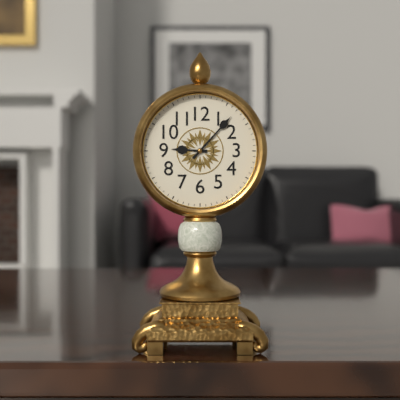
9.07
